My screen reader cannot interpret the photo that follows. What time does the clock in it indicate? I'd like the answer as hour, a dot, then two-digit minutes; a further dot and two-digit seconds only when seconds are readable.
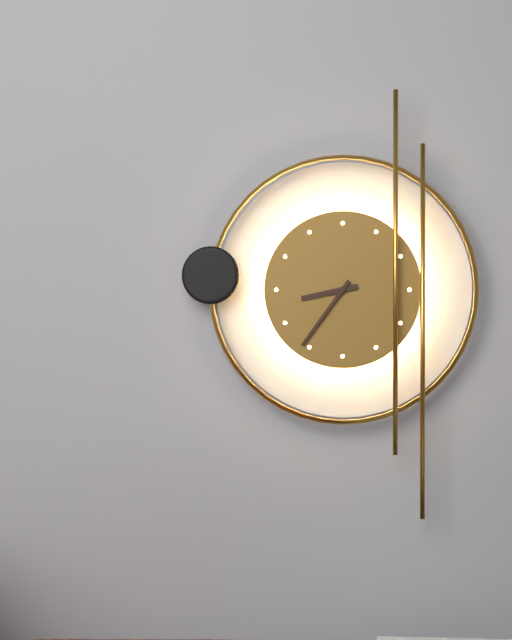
8.36
